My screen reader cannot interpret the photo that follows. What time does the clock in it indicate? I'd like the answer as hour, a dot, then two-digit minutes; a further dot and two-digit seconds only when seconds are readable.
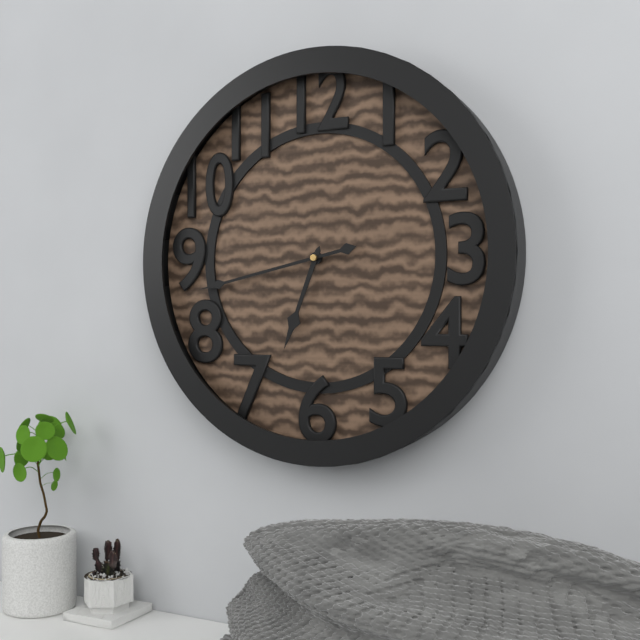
6.43
